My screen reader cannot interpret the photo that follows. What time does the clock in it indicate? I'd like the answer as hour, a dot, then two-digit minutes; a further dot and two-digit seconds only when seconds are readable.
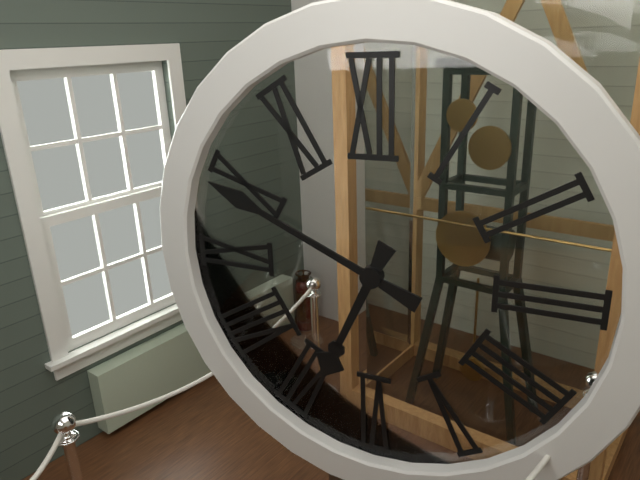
6.49
